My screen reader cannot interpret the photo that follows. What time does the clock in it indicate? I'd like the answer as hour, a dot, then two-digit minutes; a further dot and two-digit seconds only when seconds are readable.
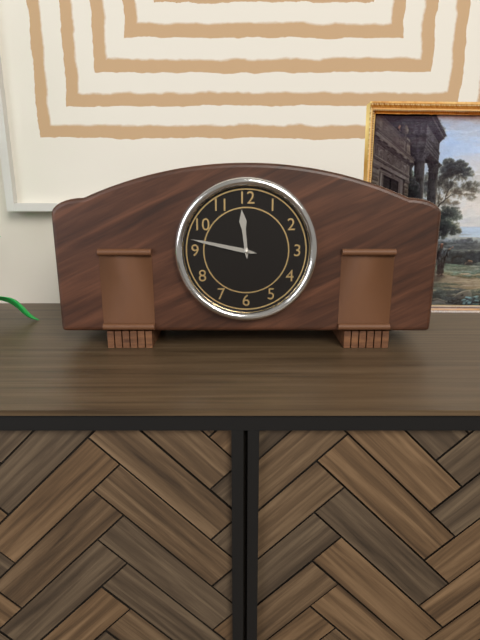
11.47
